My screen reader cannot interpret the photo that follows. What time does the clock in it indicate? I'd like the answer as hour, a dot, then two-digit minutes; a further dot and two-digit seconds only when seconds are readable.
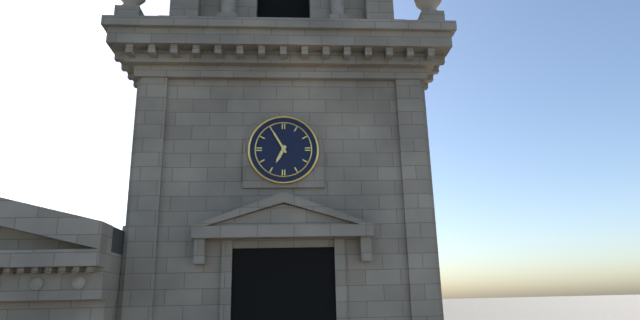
6.55
